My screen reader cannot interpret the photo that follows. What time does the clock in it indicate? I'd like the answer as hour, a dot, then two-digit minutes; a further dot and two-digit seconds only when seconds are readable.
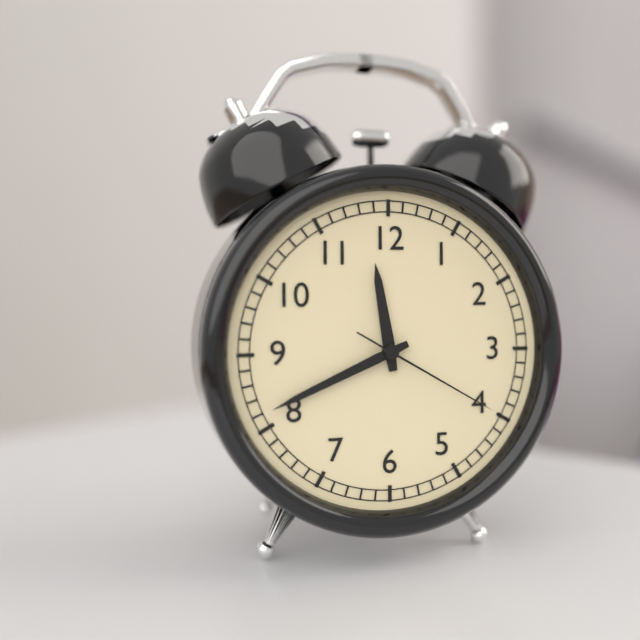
11.41.20
